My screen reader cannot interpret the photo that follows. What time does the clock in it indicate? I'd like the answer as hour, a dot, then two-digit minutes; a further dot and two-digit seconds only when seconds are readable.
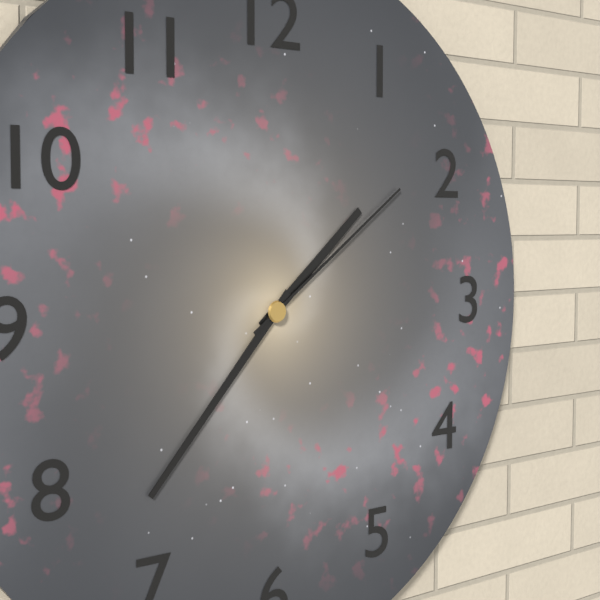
1.37.09
